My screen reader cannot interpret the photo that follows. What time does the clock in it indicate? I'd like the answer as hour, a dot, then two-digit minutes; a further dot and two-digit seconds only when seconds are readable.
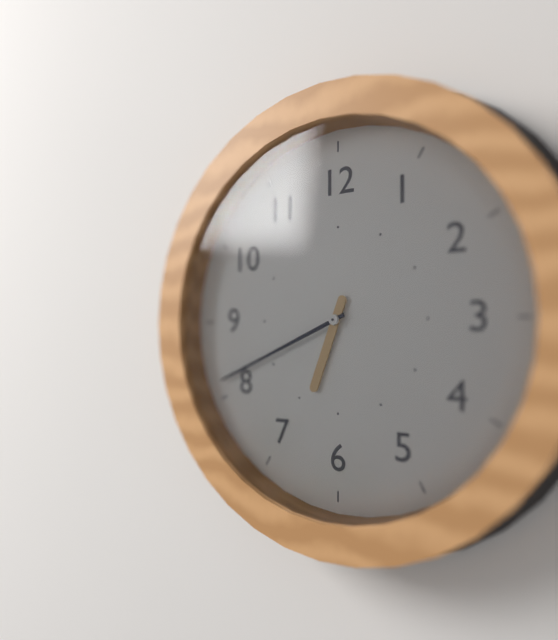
6.41
